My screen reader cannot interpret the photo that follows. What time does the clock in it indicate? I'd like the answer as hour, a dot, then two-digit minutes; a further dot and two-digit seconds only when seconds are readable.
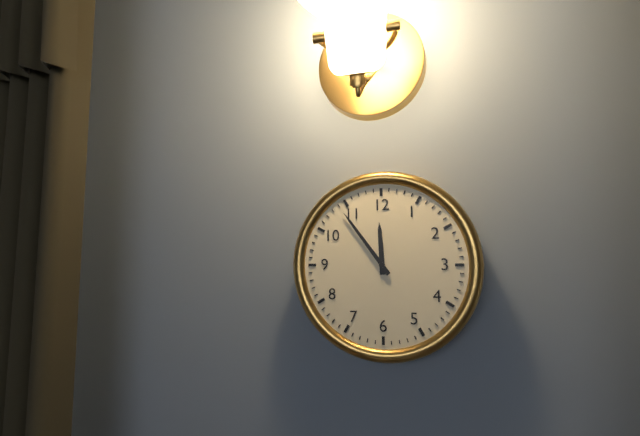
11.54
